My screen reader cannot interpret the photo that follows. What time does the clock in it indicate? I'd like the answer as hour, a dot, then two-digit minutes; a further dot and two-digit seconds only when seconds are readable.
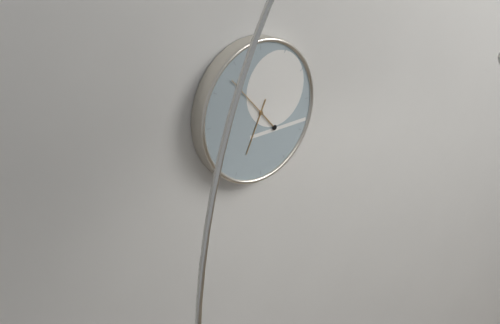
6.53
